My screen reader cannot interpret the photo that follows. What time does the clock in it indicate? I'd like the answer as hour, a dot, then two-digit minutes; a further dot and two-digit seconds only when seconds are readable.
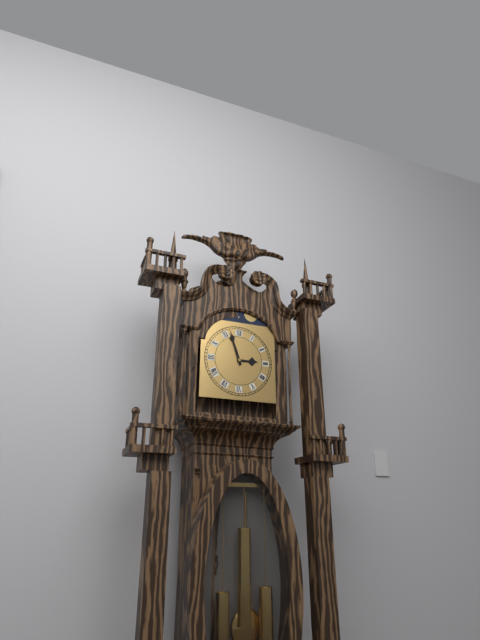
2.57
